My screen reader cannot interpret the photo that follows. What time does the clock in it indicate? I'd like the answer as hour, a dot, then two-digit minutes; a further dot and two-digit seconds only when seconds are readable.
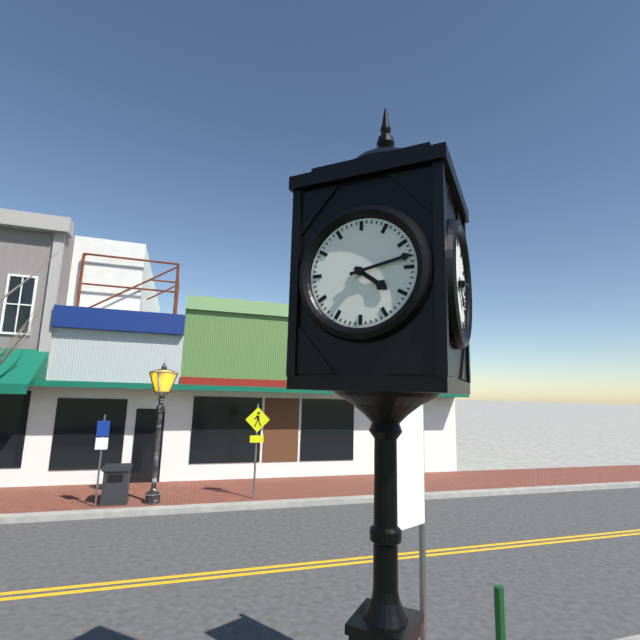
4.13
